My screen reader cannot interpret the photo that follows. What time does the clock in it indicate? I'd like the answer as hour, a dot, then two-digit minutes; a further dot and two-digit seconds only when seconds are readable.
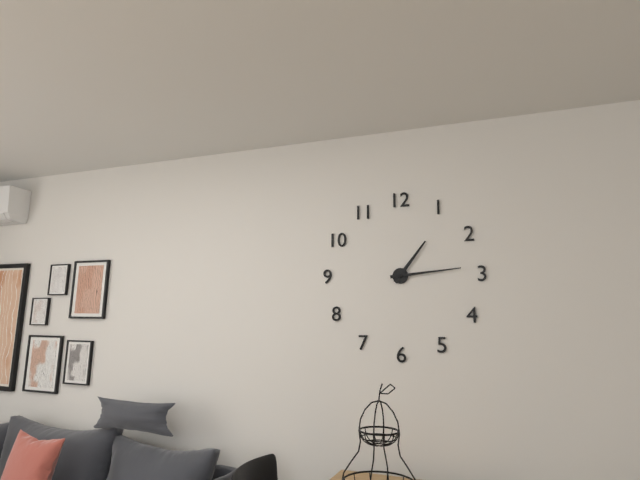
1.14
